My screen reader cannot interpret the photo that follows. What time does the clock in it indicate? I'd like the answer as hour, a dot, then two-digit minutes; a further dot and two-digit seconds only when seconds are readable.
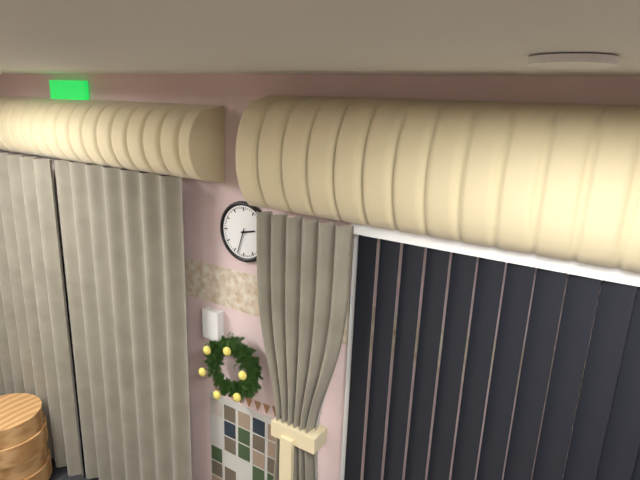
2.33
